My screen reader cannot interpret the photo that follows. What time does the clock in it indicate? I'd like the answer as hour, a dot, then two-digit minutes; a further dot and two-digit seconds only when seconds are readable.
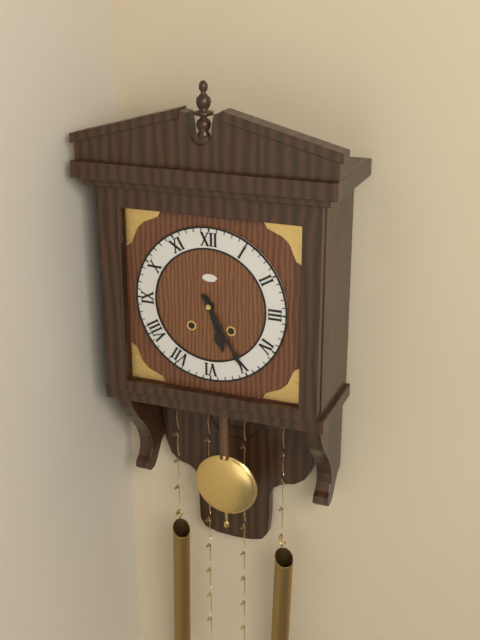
5.25
